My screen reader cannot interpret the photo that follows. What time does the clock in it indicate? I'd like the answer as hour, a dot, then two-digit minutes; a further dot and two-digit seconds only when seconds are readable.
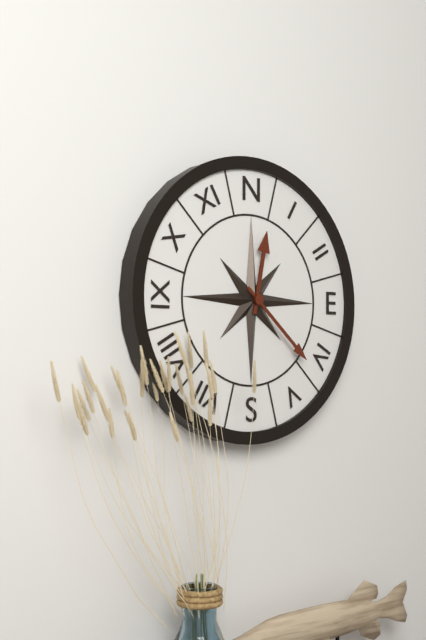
12.22
